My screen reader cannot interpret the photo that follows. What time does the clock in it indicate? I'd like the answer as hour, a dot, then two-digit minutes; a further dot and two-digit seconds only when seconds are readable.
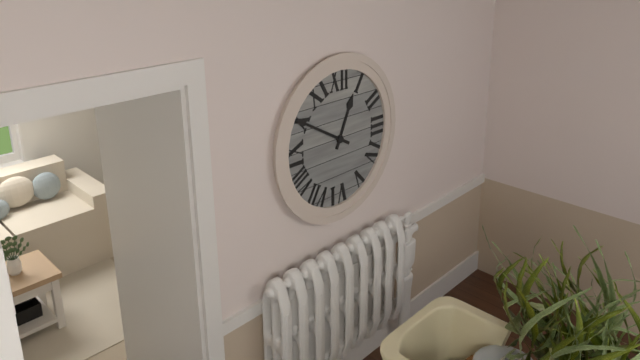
12.50
